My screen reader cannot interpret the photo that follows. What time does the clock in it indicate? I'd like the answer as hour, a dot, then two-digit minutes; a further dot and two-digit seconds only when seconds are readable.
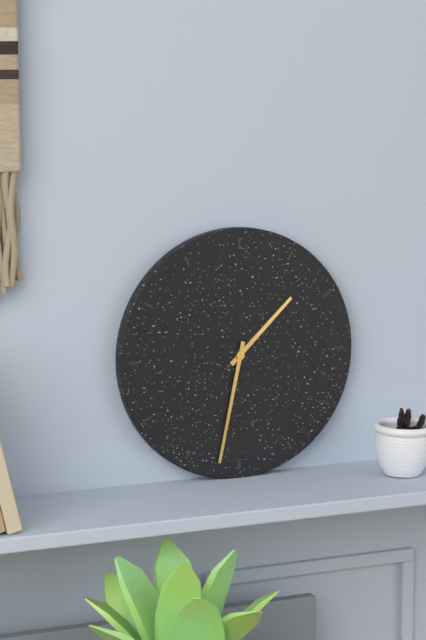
1.32
